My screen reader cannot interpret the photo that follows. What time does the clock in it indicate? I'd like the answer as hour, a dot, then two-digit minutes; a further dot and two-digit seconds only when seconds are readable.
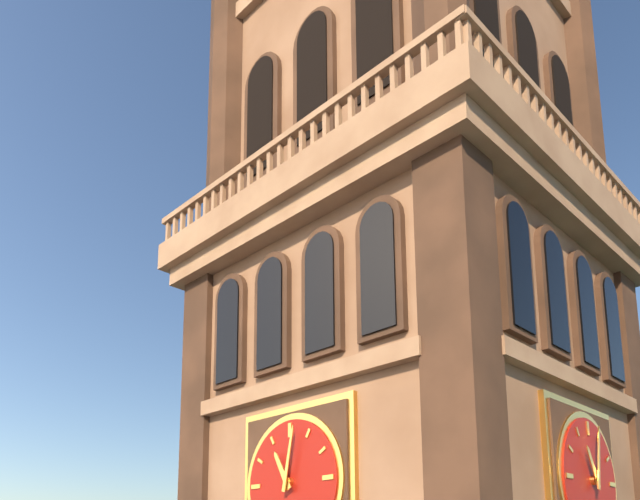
11.02
